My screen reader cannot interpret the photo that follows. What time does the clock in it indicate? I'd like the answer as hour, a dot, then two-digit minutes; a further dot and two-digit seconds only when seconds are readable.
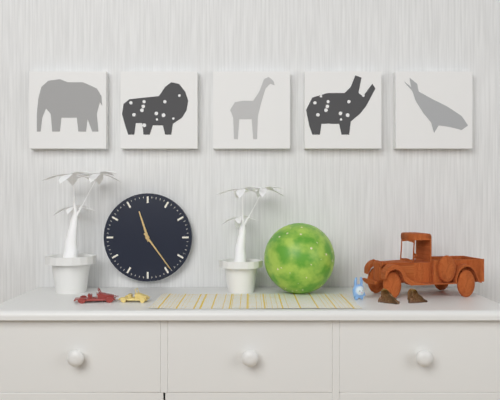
11.24
